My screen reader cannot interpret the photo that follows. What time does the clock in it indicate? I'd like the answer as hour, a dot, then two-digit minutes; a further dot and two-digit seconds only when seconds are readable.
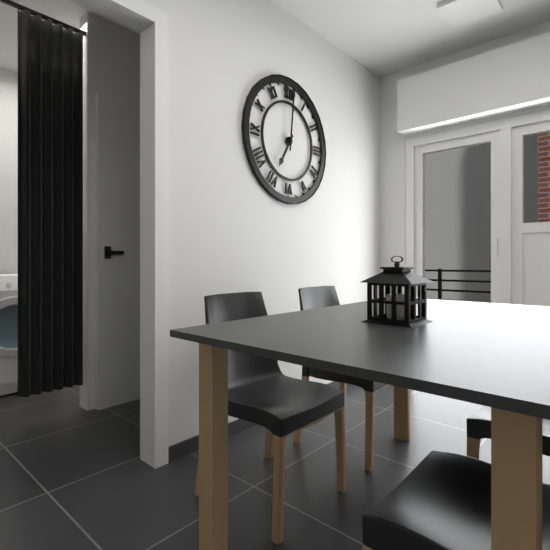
7.01
